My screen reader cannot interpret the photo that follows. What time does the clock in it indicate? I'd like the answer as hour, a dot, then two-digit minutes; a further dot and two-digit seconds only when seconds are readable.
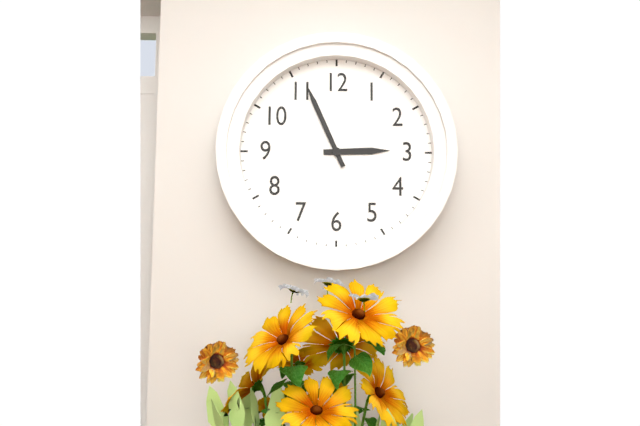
2.56
